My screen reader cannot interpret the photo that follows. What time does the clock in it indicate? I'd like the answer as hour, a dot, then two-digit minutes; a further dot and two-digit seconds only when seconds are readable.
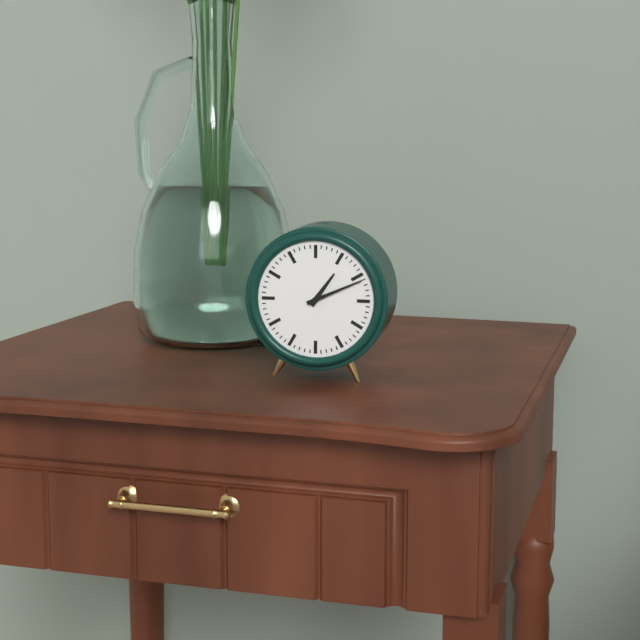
1.11
